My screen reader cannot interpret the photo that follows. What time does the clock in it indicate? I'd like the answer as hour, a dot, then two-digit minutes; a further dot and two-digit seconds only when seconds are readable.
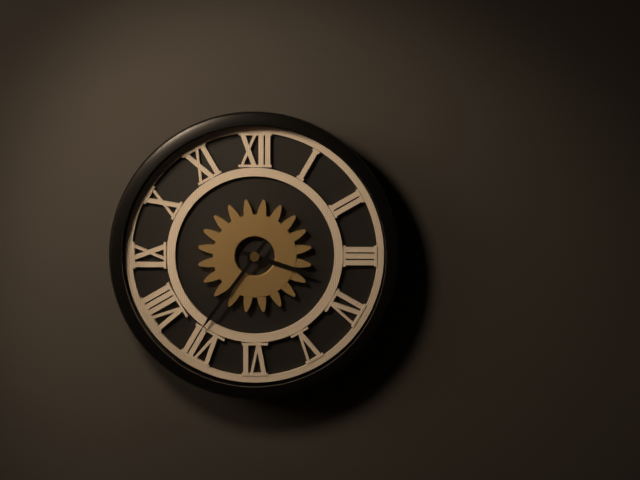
3.36
